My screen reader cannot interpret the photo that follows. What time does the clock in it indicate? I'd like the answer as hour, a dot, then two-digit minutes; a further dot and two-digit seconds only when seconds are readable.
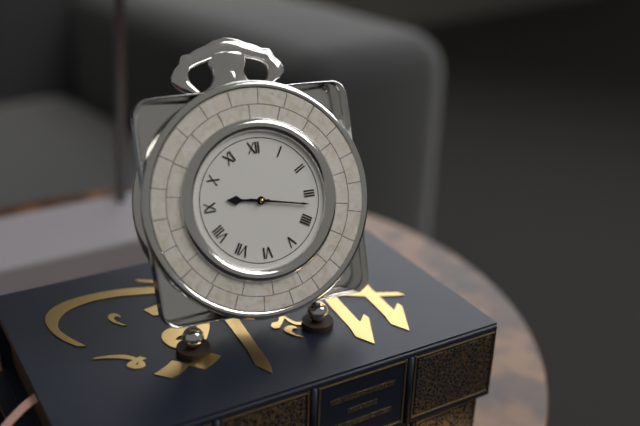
9.17
